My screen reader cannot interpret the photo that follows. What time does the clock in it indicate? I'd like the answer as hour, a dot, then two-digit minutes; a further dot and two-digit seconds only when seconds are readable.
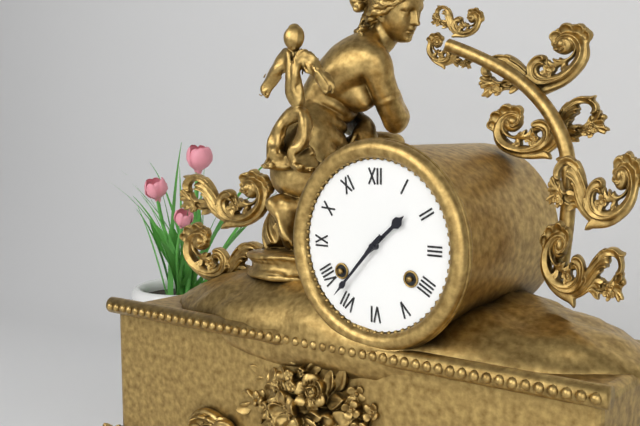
1.37
